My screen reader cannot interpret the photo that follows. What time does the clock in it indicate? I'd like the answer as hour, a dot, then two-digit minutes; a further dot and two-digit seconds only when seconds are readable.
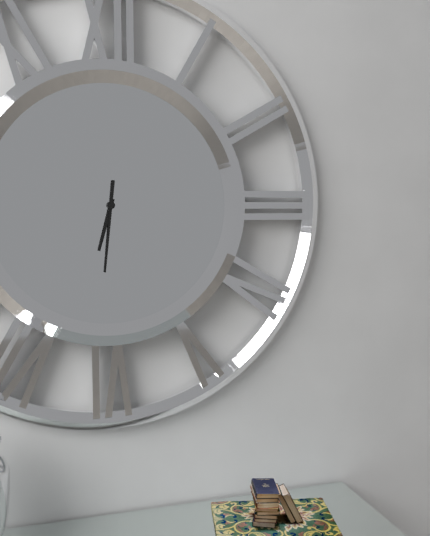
6.31
